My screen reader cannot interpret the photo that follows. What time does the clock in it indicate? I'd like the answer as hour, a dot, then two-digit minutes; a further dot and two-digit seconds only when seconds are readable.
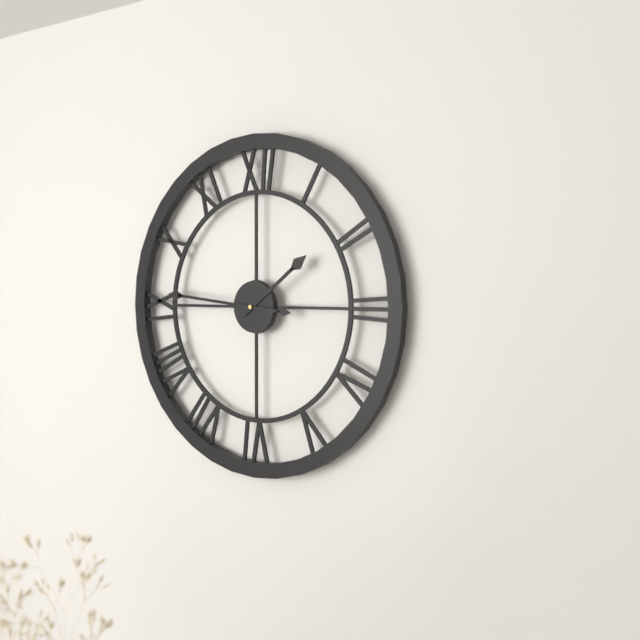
1.46
